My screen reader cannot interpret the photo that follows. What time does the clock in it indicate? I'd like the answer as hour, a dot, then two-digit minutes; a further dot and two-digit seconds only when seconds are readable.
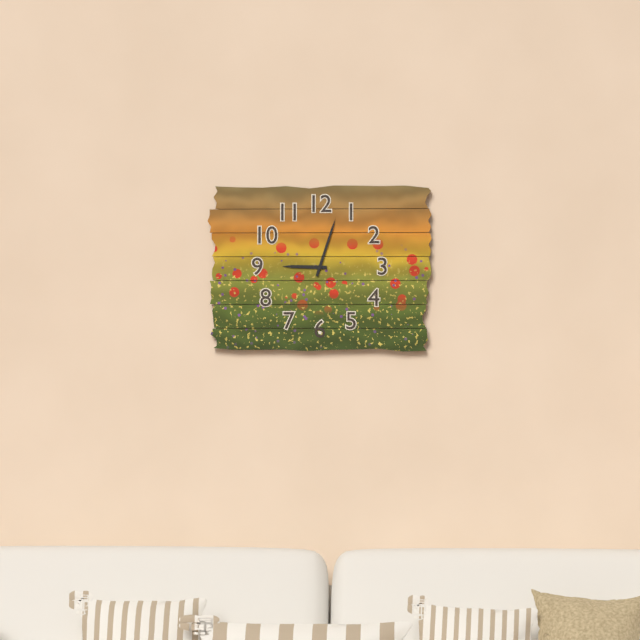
9.03
